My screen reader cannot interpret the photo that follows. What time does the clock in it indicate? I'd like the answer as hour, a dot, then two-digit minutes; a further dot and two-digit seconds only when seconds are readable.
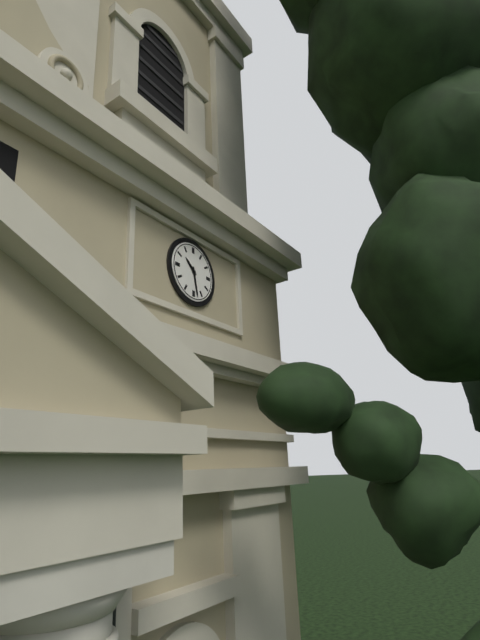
10.28
